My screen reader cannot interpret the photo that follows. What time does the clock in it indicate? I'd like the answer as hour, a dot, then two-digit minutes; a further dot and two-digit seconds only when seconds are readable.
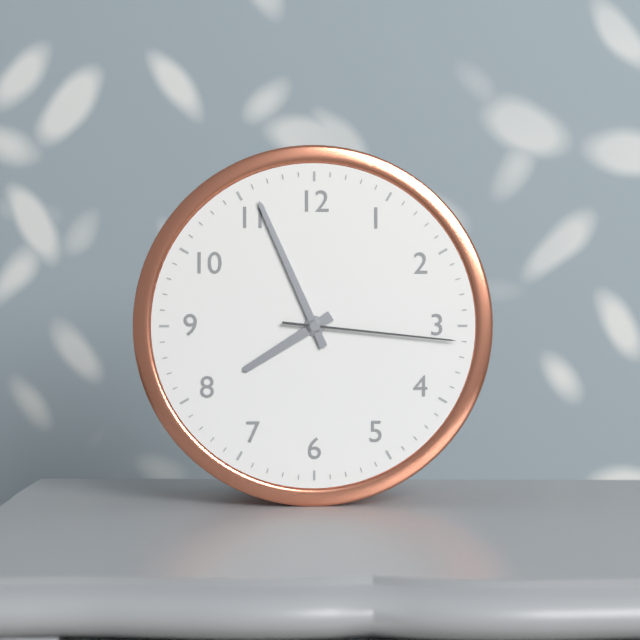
7.56.16
